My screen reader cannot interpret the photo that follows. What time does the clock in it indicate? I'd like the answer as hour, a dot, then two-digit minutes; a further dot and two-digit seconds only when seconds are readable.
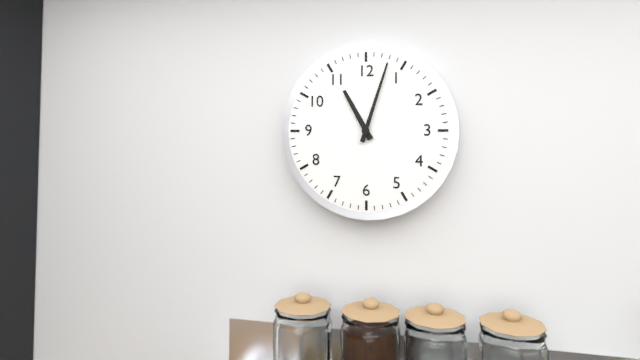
11.03
